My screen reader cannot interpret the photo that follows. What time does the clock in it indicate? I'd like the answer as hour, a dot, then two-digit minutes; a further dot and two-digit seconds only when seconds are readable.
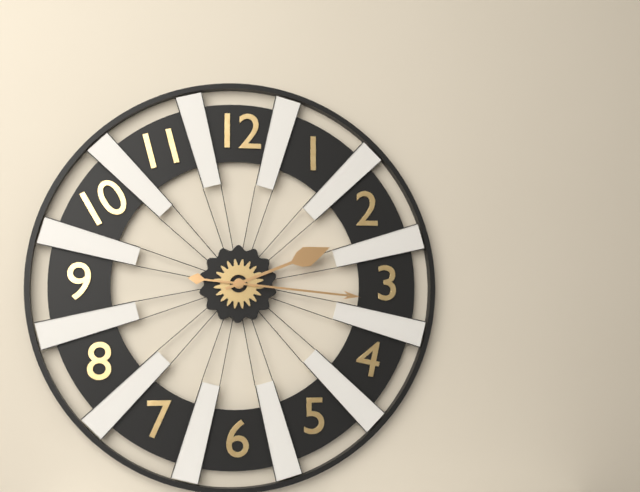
2.16
